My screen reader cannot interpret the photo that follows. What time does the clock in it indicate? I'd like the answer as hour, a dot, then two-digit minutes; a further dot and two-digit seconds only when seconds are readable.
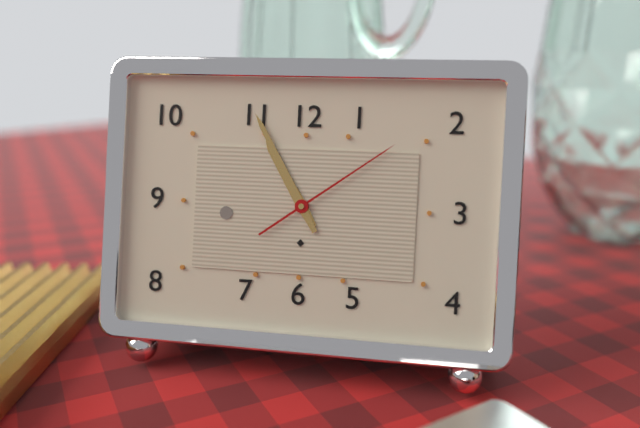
10.55.09
